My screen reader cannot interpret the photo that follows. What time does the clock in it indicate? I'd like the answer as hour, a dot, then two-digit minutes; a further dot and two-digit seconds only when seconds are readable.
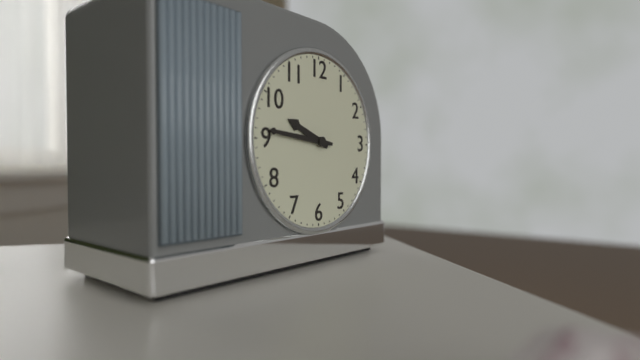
9.46
